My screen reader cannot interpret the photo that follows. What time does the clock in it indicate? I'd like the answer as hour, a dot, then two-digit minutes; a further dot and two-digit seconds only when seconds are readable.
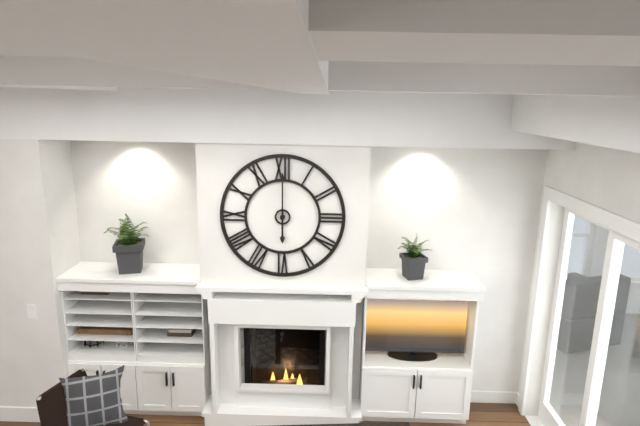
6.00
